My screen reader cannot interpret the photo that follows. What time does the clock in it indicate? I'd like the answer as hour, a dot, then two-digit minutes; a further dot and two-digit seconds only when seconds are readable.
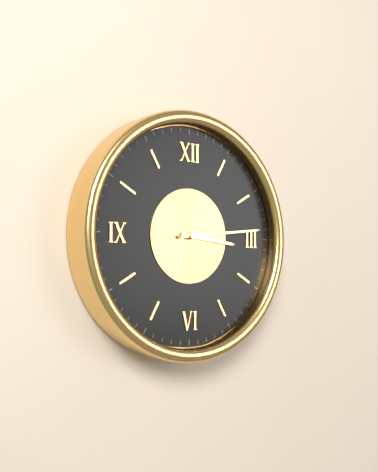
3.14
